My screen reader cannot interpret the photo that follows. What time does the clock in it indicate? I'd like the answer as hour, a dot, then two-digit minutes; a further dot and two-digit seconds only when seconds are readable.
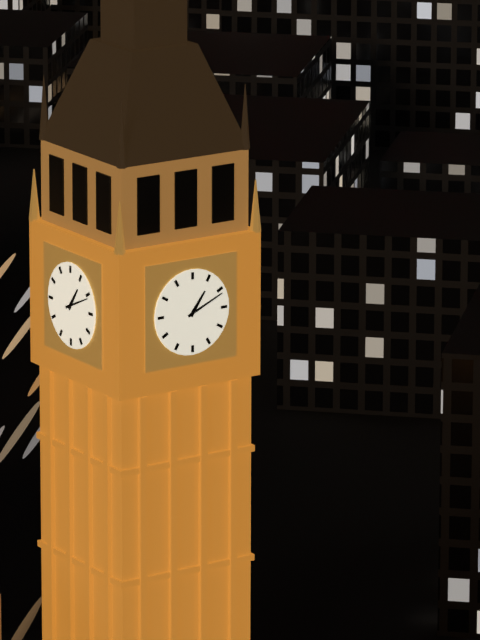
1.11
